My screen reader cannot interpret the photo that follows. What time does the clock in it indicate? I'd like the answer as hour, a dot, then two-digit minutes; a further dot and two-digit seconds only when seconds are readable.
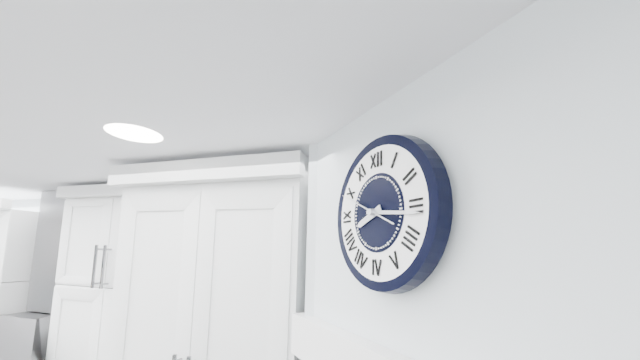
8.16
